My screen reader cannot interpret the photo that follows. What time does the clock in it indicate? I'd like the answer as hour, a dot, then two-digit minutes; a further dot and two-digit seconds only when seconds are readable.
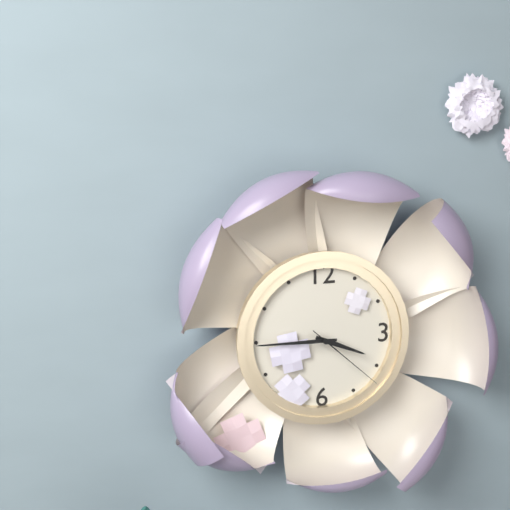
3.45.22
